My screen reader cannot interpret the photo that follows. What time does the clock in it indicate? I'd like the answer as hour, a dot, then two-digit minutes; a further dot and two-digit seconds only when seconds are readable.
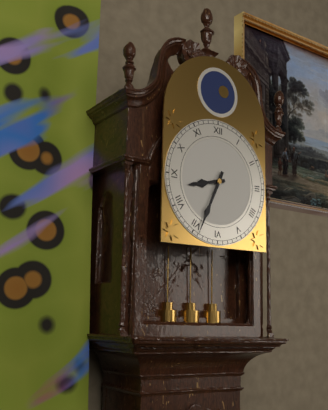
8.34
